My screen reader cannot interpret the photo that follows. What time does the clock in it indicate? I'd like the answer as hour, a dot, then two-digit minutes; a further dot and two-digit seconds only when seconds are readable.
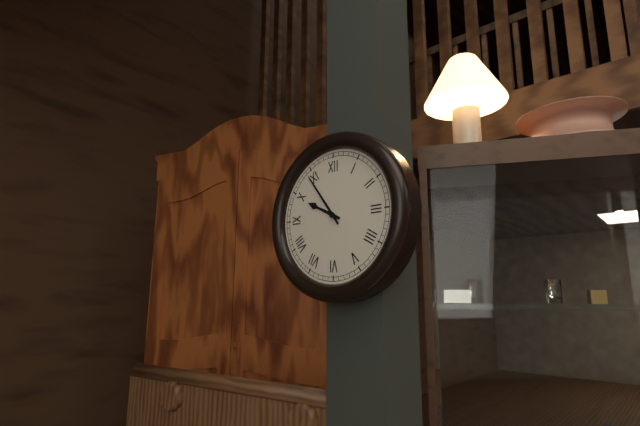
9.54
